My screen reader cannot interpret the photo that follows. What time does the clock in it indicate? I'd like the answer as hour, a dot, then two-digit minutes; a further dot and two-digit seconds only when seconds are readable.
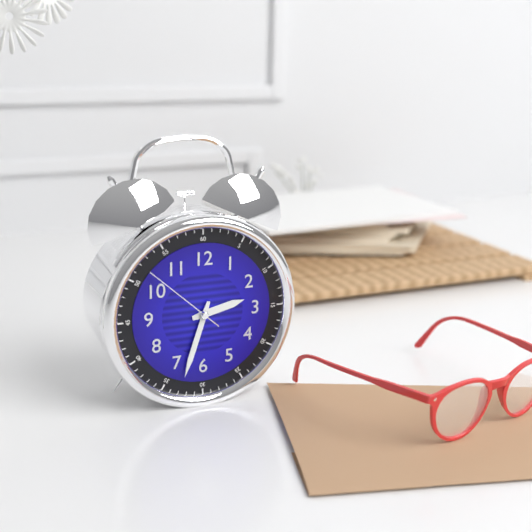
2.33.52
